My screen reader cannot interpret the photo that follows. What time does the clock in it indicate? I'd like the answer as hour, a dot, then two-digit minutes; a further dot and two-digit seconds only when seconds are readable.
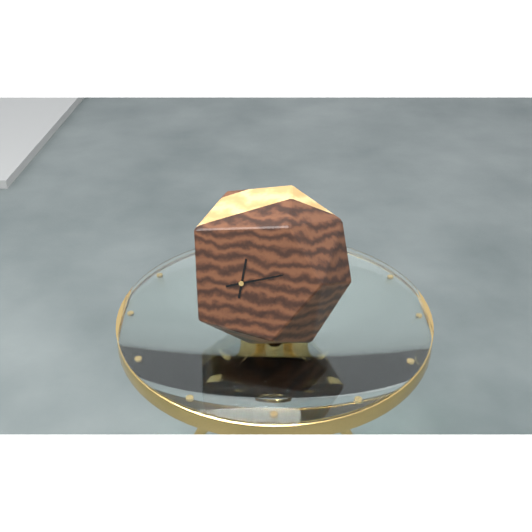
12.12
